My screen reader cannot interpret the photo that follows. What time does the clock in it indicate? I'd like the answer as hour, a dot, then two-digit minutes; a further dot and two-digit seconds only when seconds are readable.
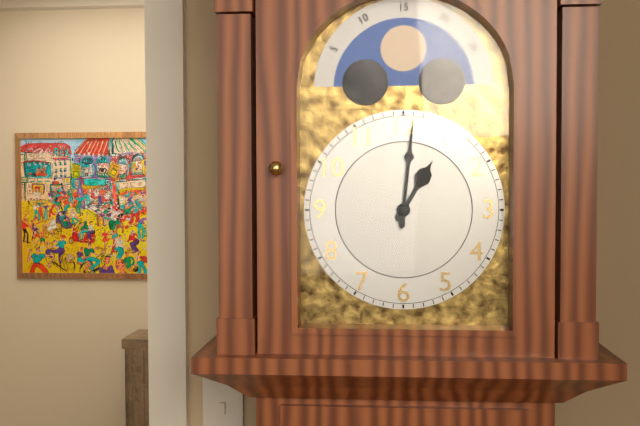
1.01
